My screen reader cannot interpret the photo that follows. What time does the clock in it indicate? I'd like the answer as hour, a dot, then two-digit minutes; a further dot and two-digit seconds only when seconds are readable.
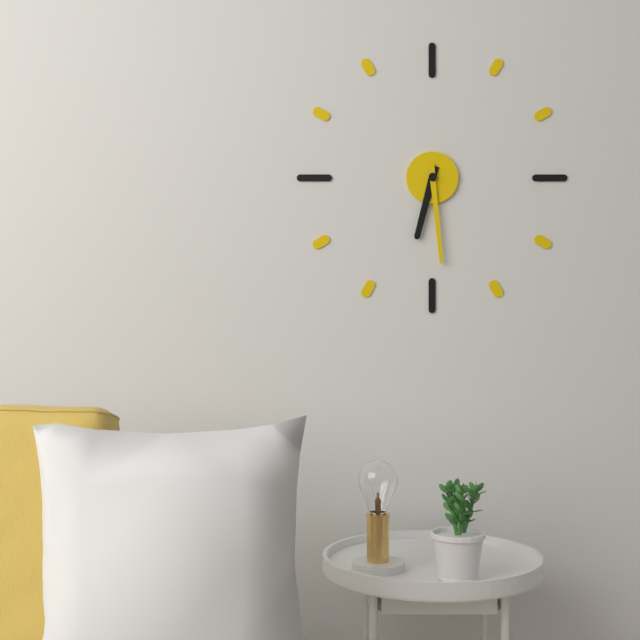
6.29
